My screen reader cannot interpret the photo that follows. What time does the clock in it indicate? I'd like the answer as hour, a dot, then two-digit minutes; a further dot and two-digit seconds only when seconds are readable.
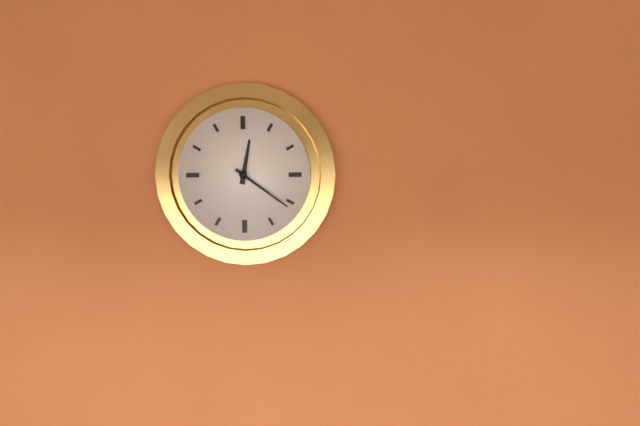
12.21
